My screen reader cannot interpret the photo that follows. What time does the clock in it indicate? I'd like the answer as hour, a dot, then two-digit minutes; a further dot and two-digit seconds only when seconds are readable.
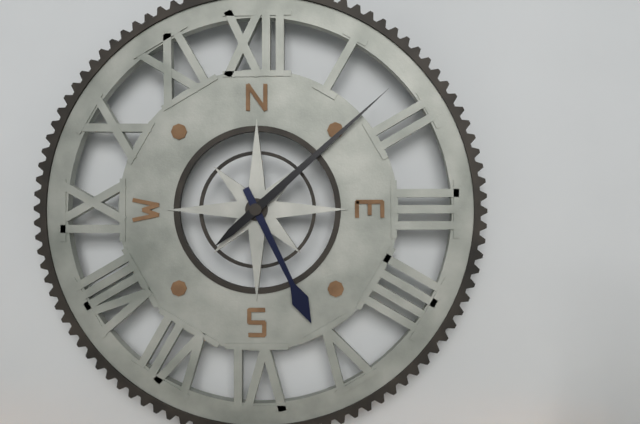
5.08
